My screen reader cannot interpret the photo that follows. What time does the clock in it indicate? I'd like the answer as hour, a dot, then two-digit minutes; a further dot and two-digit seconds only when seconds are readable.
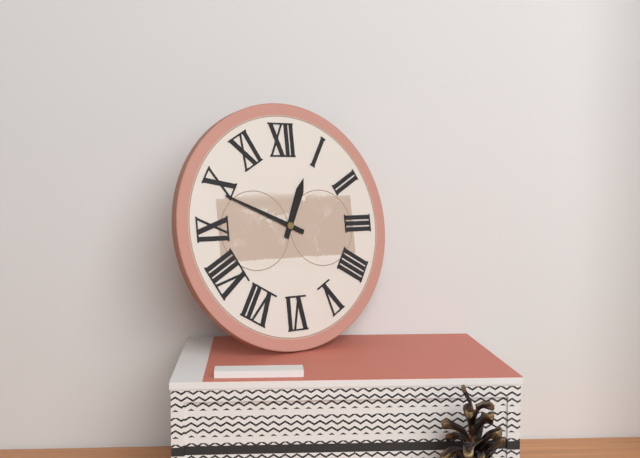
12.49
